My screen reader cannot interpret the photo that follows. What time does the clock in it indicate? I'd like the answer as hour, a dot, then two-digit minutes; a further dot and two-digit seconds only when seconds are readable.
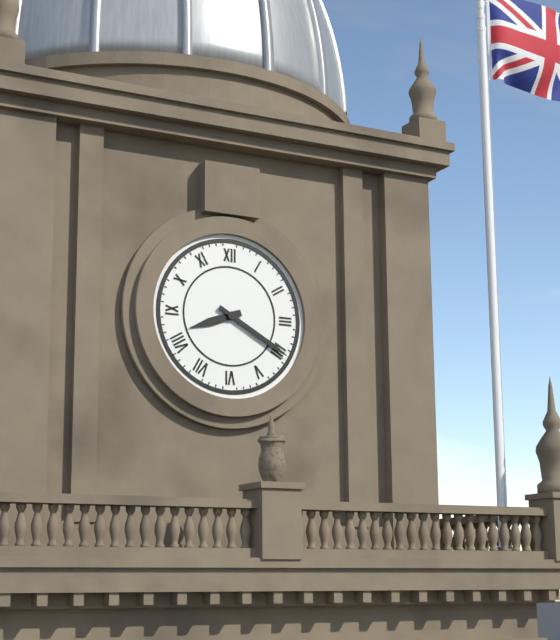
8.20
